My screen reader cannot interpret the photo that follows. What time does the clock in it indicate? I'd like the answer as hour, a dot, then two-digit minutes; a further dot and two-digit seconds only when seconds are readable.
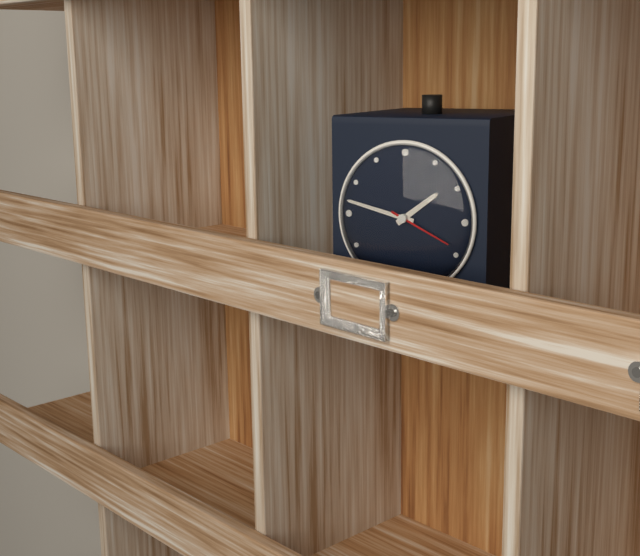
1.47.19
